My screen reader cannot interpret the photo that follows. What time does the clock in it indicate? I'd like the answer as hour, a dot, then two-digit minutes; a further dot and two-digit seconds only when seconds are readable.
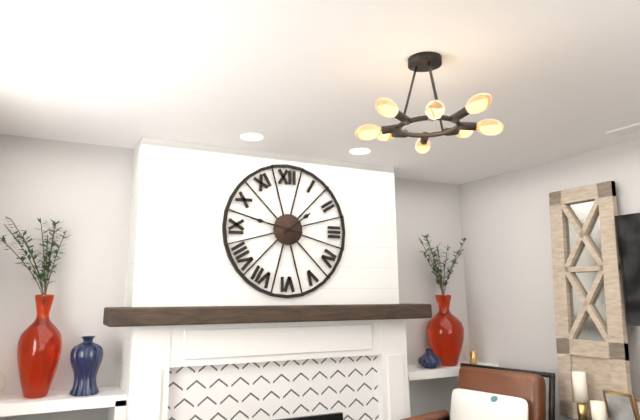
1.47
